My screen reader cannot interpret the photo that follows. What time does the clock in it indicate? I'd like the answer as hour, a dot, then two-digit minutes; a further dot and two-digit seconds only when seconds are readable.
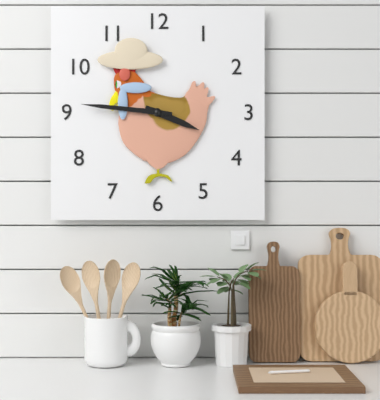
3.46
